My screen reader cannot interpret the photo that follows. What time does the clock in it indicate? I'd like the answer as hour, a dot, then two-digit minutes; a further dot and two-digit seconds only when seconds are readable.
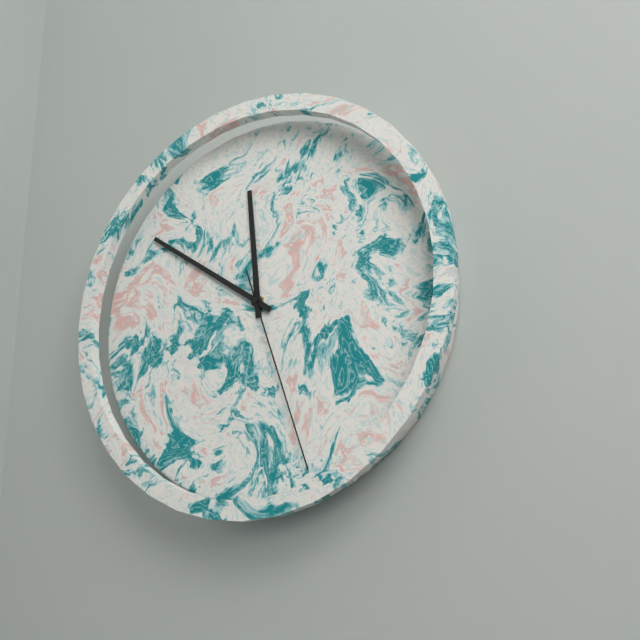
11.51.27
